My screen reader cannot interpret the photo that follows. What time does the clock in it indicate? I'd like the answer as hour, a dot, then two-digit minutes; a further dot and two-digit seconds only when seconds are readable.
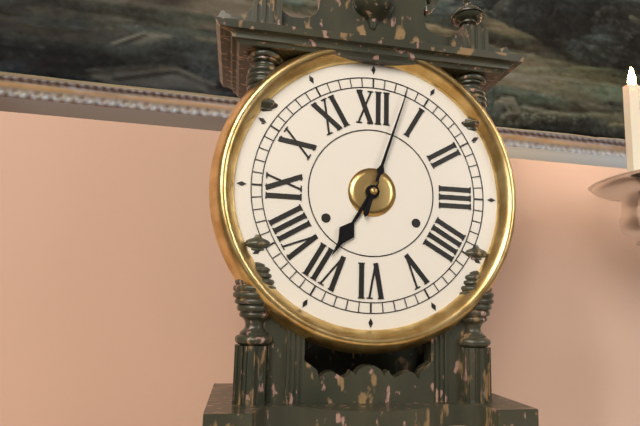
7.03
